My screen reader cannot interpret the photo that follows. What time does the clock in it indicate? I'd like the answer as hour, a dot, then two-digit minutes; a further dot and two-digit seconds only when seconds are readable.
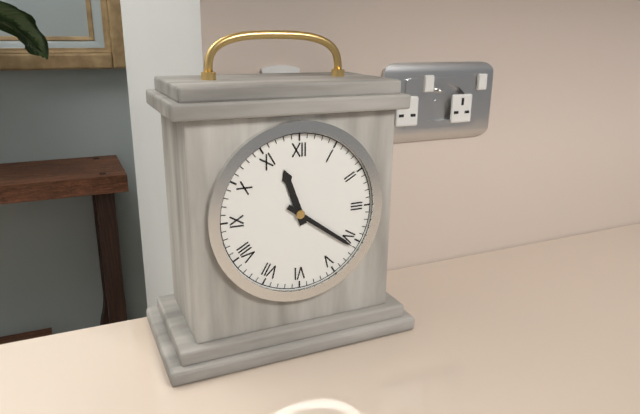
11.21
